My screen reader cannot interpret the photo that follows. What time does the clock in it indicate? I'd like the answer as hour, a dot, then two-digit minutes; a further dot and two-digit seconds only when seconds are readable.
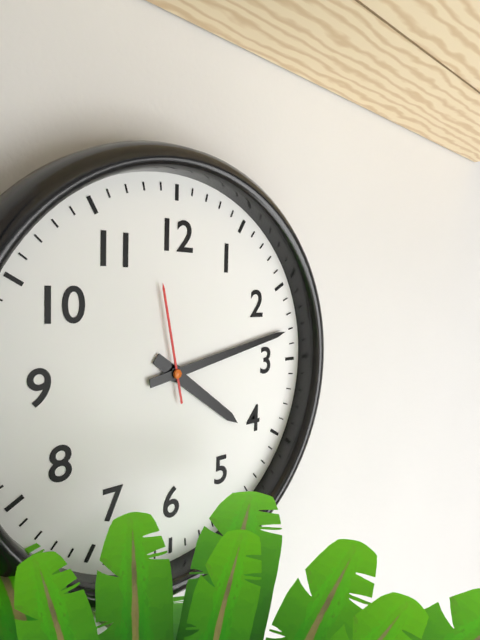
4.13.58
